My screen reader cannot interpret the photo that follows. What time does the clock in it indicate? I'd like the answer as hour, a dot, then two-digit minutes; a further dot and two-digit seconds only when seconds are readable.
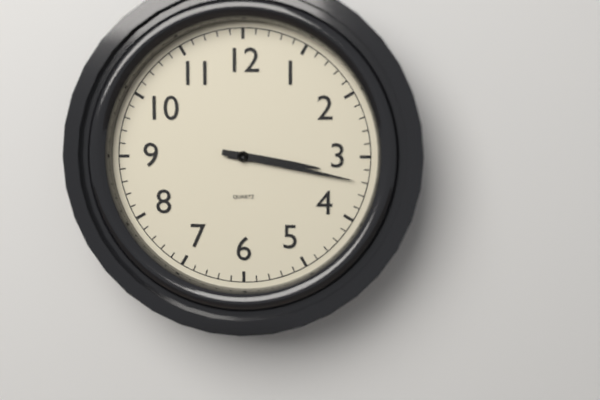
3.17
